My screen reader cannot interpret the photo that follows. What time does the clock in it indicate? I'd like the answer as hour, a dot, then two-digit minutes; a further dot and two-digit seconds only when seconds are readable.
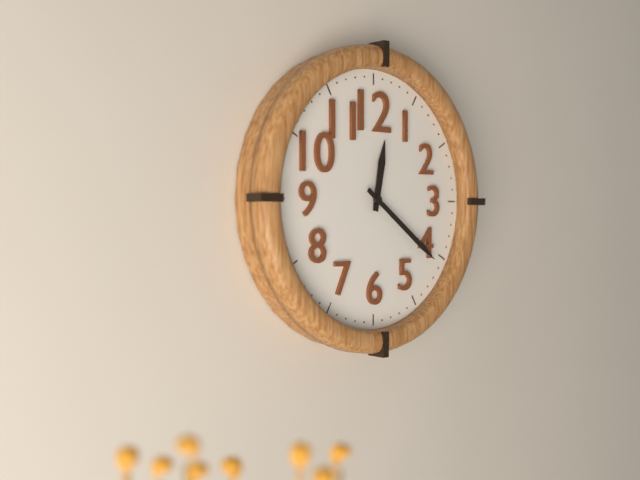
12.21
